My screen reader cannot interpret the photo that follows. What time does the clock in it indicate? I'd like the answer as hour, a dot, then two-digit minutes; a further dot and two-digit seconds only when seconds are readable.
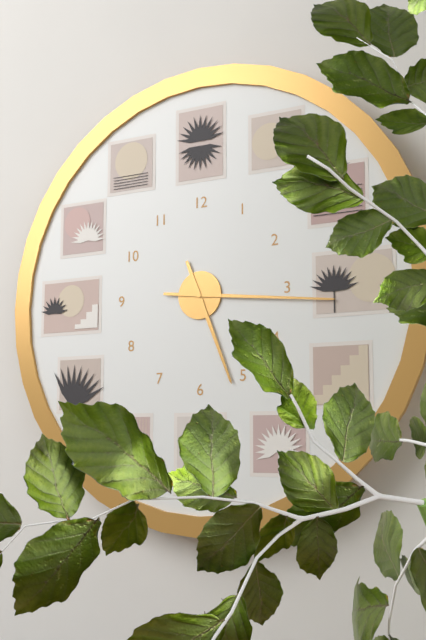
5.16
